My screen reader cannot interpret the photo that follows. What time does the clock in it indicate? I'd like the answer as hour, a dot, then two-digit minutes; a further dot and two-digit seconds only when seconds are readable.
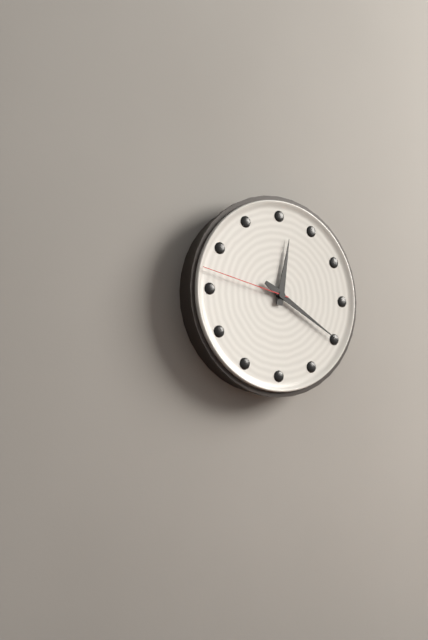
12.20.47
